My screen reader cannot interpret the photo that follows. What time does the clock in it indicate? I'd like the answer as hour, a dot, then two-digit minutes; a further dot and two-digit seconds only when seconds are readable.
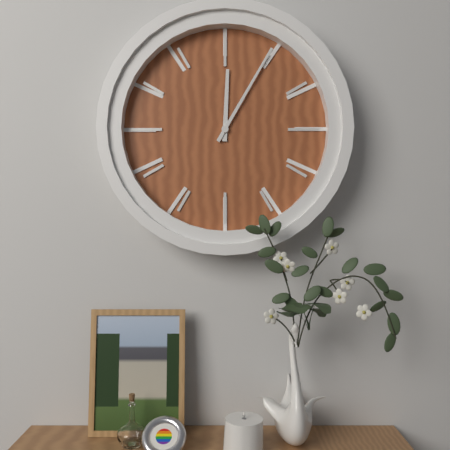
12.05
